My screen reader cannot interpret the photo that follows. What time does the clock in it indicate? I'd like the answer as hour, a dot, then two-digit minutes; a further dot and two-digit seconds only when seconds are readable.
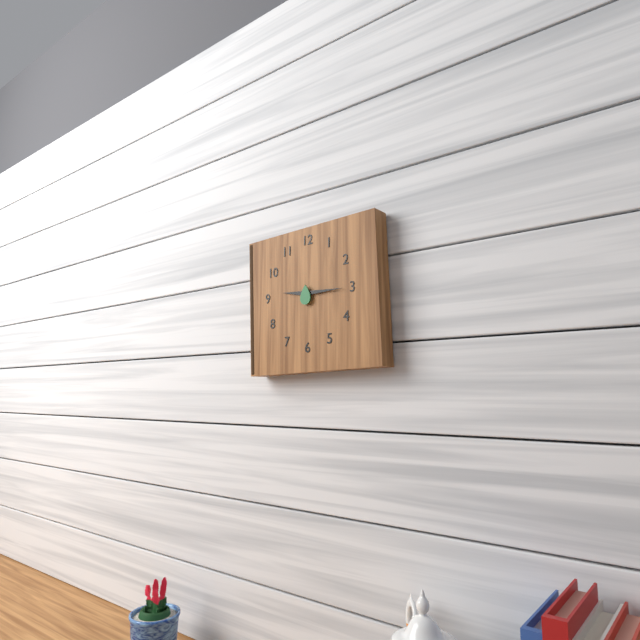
9.15
